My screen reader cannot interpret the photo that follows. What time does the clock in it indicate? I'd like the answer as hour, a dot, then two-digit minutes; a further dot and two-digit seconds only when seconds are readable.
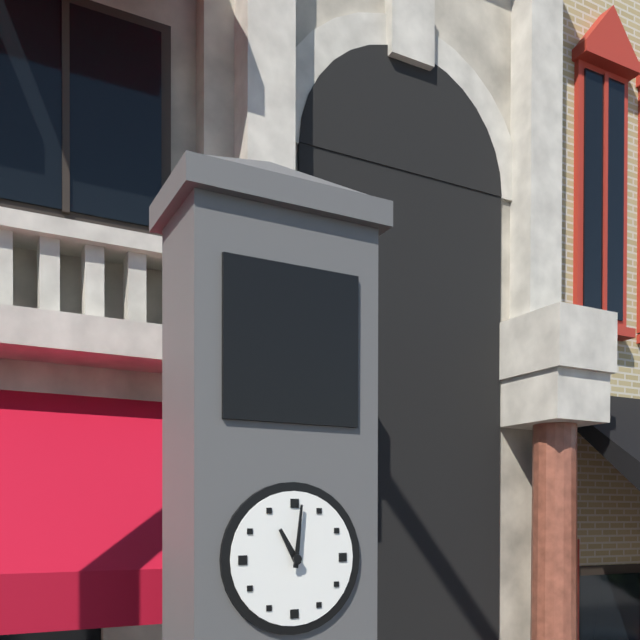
11.01
